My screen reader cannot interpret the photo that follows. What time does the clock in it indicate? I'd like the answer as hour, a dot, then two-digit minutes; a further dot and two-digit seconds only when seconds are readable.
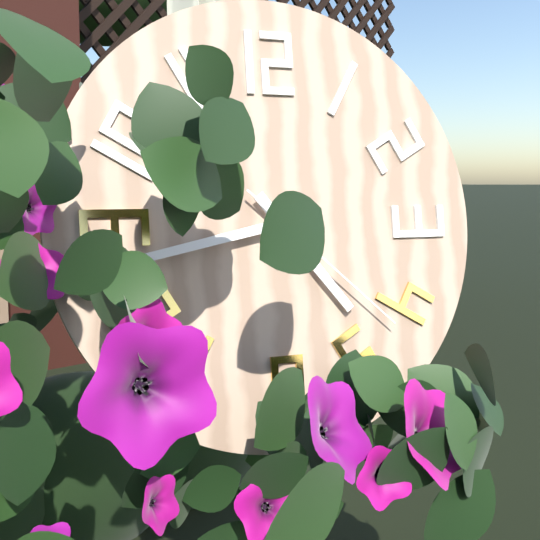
4.43.22
